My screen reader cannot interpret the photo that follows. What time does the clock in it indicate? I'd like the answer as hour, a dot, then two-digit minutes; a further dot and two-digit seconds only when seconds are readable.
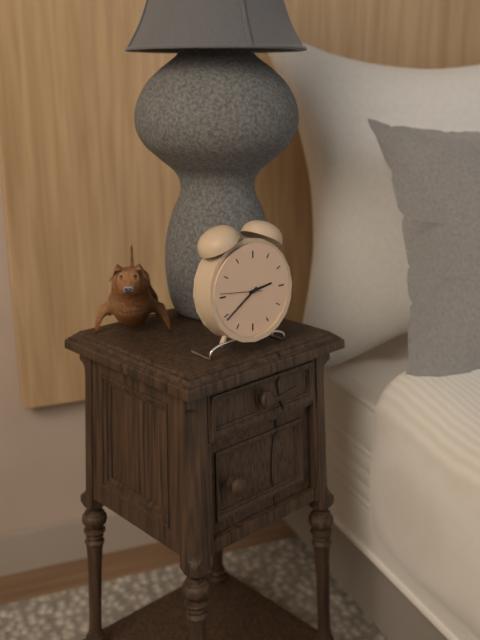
2.39
